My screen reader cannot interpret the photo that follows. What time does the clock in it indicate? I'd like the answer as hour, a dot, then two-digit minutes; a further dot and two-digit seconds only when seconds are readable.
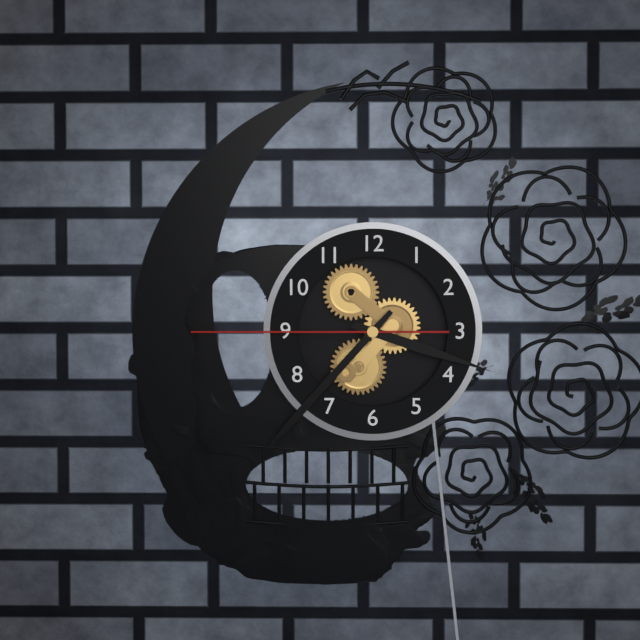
3.37.45
